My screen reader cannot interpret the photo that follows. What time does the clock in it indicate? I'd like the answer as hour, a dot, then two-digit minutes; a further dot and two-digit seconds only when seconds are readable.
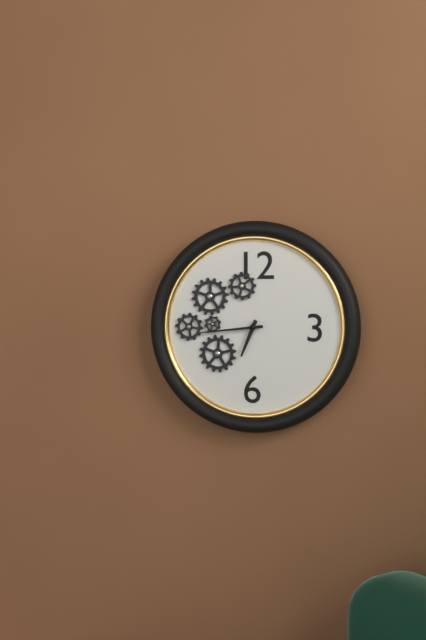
6.44
